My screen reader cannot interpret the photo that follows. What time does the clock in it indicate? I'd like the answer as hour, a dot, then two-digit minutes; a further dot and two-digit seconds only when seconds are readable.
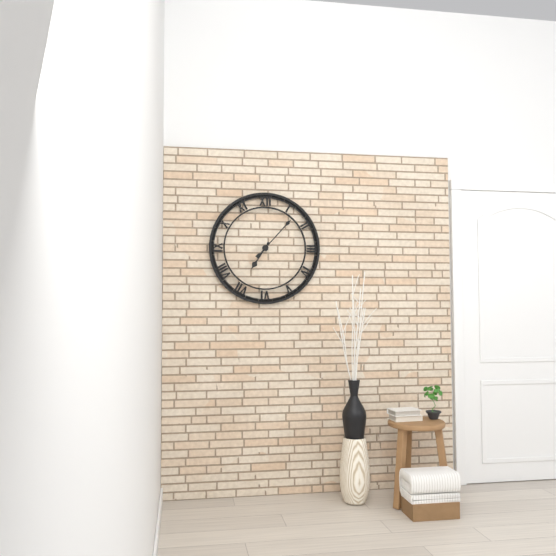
7.07
